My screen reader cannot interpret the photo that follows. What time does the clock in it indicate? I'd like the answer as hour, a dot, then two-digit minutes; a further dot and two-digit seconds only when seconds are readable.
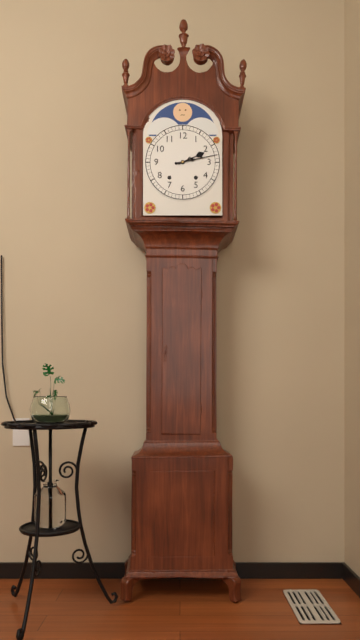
2.13
